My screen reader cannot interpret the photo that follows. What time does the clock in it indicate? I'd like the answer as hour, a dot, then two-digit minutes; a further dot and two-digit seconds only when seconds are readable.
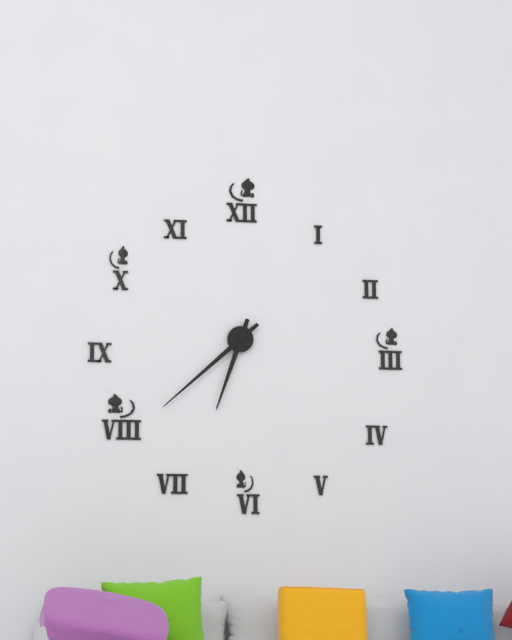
6.38
